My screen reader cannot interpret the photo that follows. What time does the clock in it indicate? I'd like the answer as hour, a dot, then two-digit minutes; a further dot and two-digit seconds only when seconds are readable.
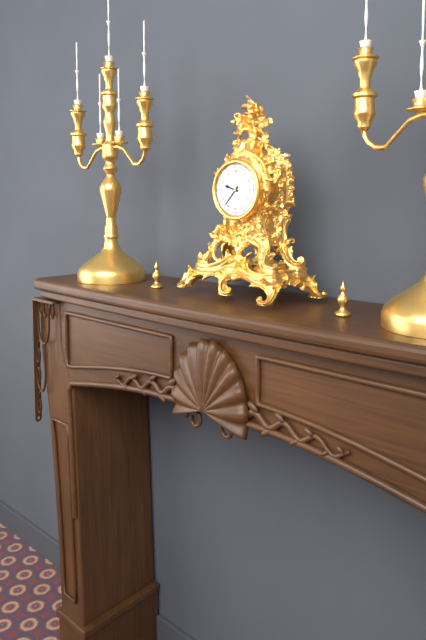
9.37
